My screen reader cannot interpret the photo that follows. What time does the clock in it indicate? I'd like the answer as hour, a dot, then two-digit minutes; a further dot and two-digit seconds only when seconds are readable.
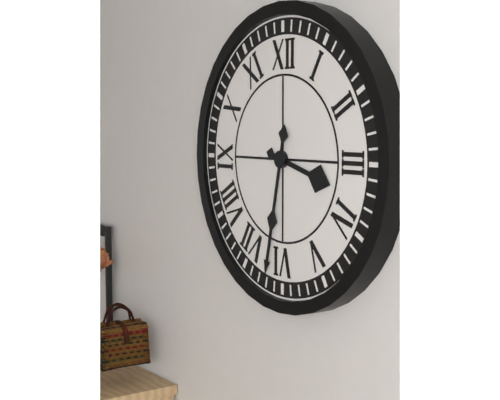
3.32
